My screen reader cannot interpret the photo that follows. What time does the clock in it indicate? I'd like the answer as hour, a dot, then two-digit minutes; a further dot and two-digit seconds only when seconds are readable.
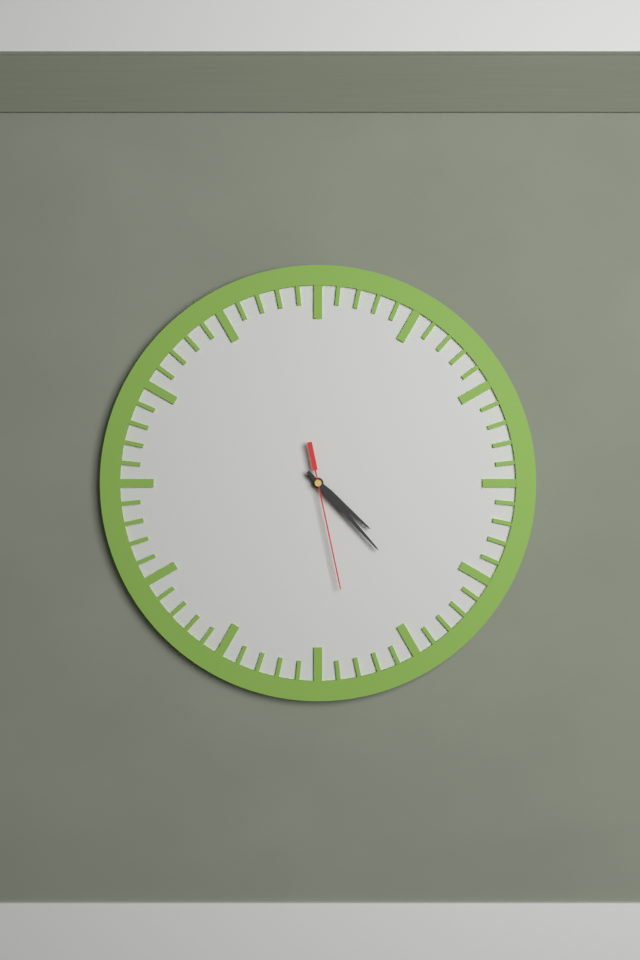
4.23.28
